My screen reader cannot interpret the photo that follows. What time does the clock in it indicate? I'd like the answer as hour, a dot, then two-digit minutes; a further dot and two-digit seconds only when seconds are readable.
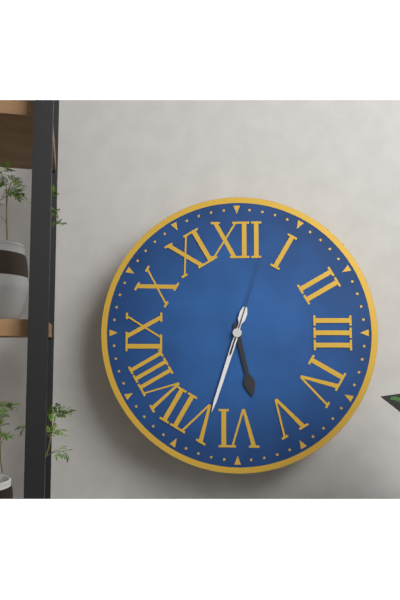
5.33.03
